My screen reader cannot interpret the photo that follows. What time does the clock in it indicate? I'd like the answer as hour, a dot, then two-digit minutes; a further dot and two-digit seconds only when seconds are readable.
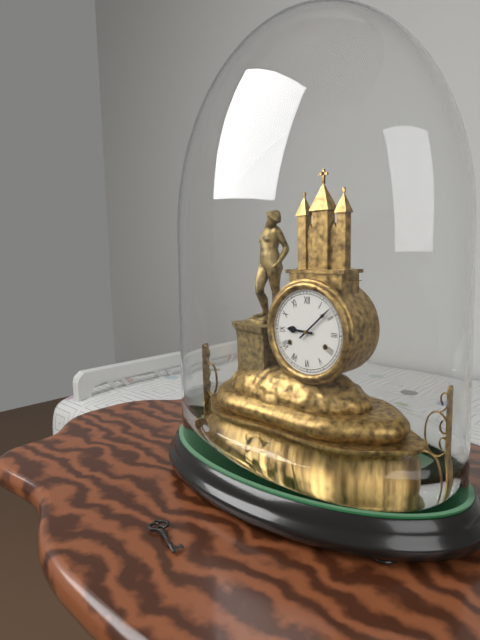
9.08
